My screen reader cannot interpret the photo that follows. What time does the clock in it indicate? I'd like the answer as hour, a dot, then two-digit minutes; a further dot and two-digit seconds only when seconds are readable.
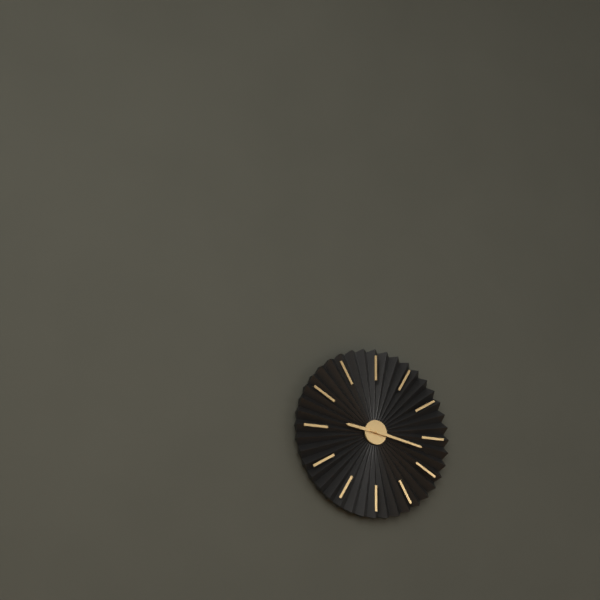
9.17
